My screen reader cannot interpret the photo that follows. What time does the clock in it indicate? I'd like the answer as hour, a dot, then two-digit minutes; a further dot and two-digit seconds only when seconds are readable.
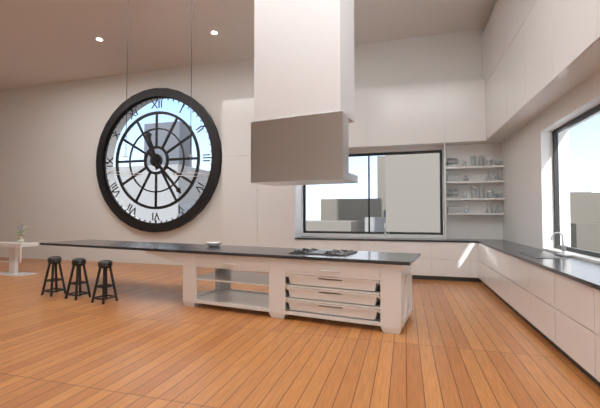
11.23
